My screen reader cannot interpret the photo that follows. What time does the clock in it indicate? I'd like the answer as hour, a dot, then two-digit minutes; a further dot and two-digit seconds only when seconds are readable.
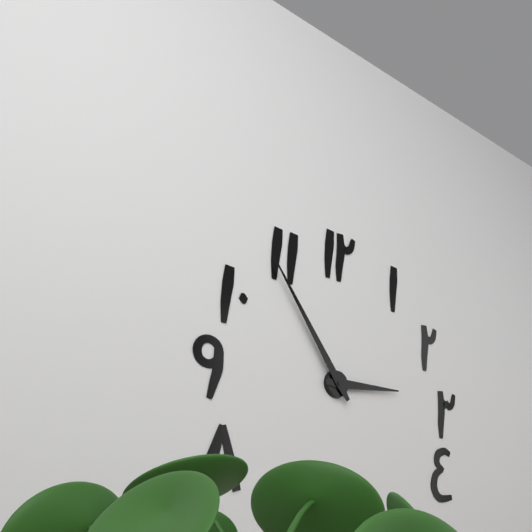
2.54
